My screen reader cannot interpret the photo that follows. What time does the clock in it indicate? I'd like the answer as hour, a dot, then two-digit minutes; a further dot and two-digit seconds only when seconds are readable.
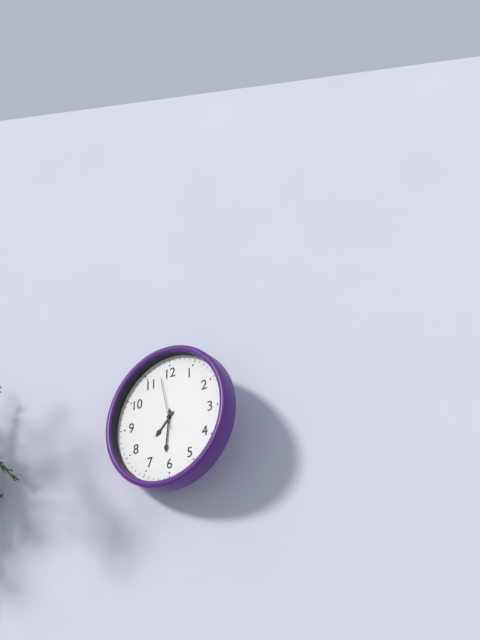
7.31.58
